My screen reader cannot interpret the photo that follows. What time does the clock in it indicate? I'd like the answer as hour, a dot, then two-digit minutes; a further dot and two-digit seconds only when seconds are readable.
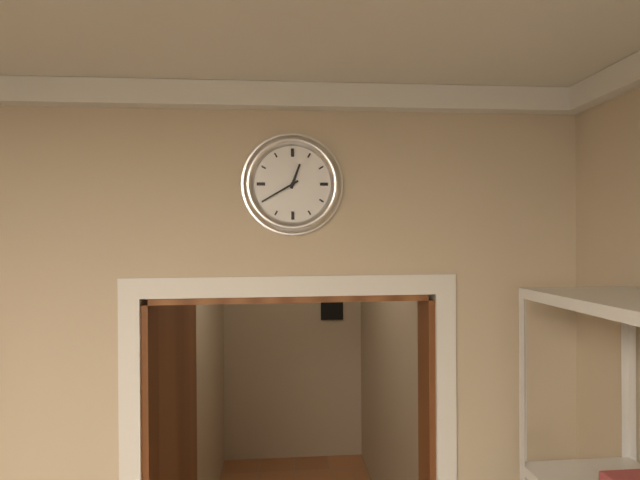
12.40
